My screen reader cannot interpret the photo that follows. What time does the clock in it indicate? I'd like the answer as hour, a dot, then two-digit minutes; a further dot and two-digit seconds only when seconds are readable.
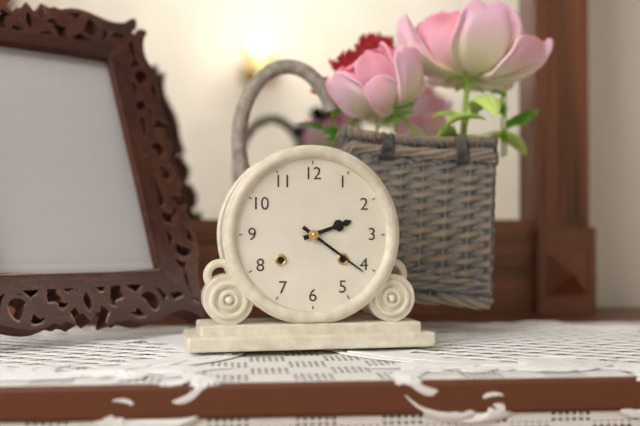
2.21
